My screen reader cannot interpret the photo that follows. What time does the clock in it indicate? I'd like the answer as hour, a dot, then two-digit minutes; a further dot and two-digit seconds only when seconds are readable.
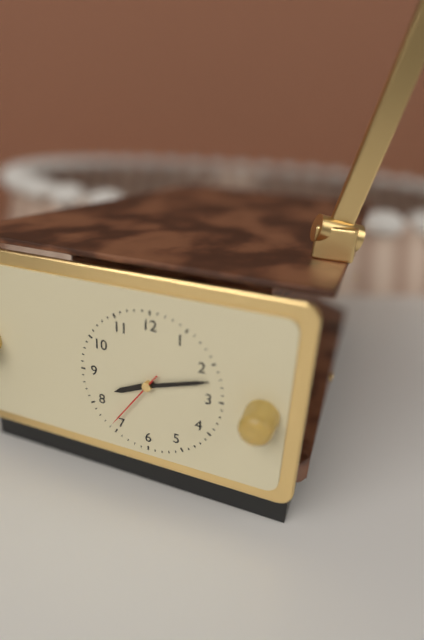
8.12.36
